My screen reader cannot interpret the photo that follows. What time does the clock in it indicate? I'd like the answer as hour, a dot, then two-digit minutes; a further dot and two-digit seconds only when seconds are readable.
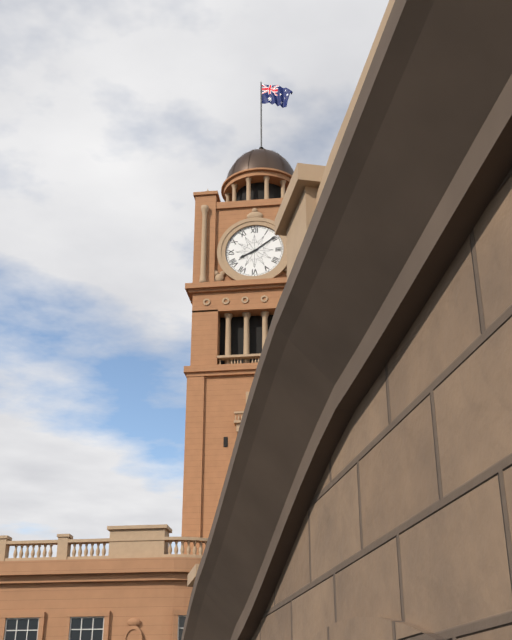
8.09
